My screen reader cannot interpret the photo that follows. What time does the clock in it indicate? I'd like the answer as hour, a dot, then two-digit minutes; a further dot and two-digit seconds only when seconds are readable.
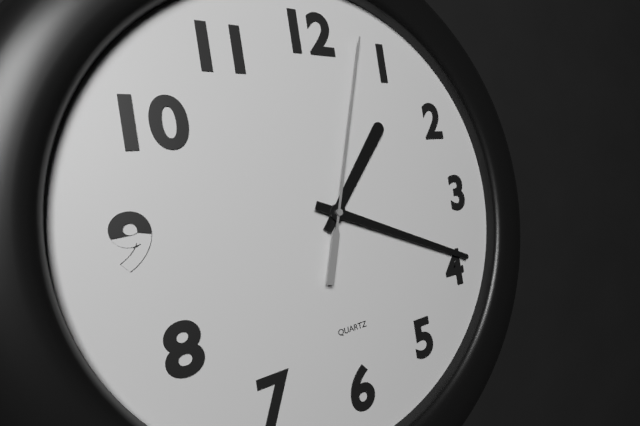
1.19.03
